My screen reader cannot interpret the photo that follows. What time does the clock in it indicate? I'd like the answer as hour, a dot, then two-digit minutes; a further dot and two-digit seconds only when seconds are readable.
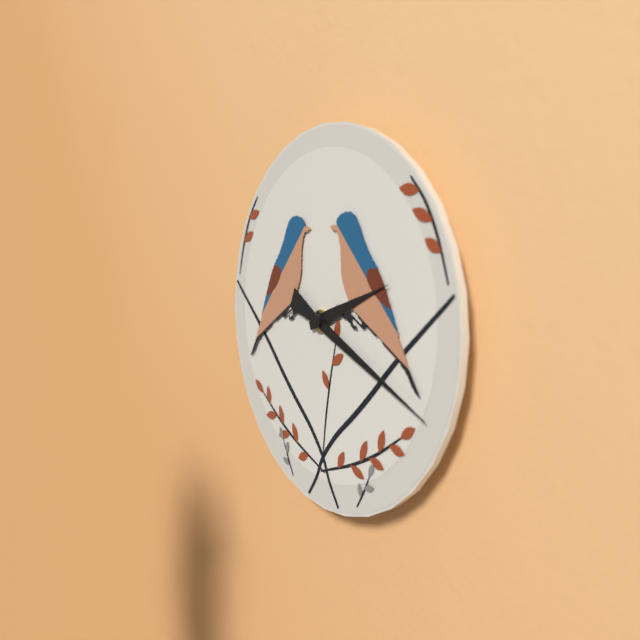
2.19
